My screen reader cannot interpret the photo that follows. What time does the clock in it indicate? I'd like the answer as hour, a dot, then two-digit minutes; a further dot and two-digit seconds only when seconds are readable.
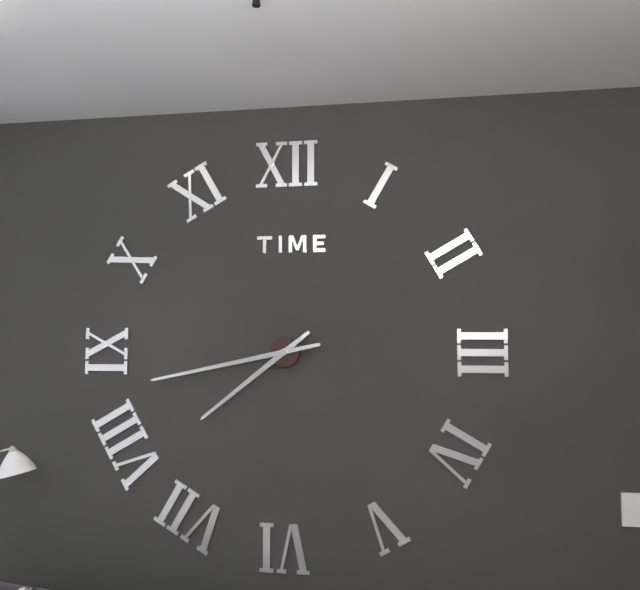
7.43
